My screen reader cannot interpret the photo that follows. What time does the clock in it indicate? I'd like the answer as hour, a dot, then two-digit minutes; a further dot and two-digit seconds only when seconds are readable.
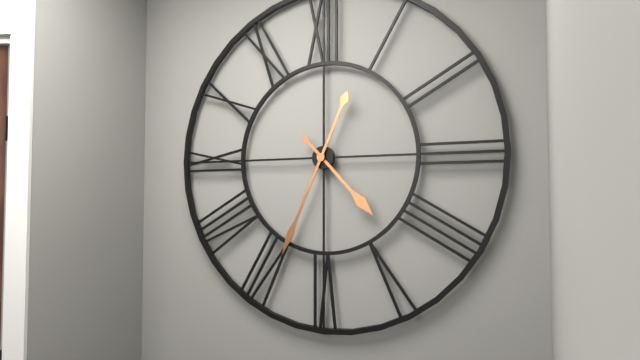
4.34
